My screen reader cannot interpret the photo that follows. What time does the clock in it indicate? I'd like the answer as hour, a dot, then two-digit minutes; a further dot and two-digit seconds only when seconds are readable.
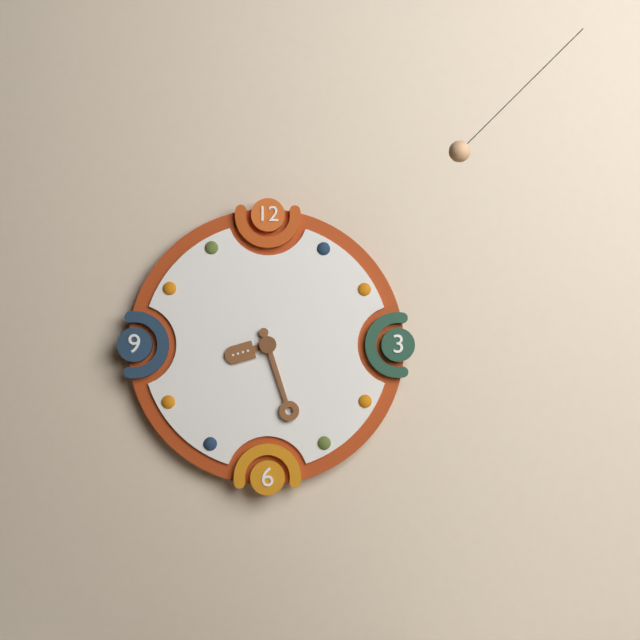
8.27
